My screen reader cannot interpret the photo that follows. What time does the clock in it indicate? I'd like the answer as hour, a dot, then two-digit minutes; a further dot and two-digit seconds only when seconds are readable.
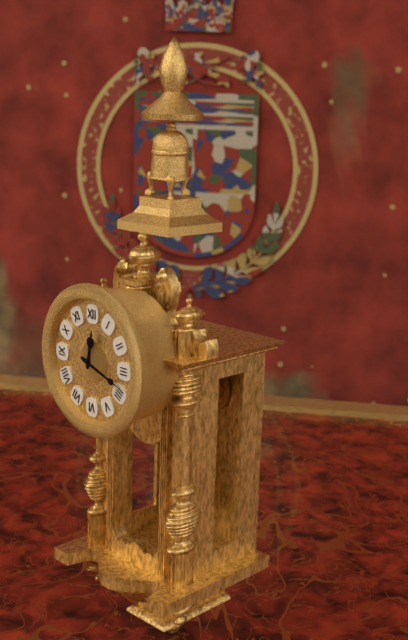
12.18
